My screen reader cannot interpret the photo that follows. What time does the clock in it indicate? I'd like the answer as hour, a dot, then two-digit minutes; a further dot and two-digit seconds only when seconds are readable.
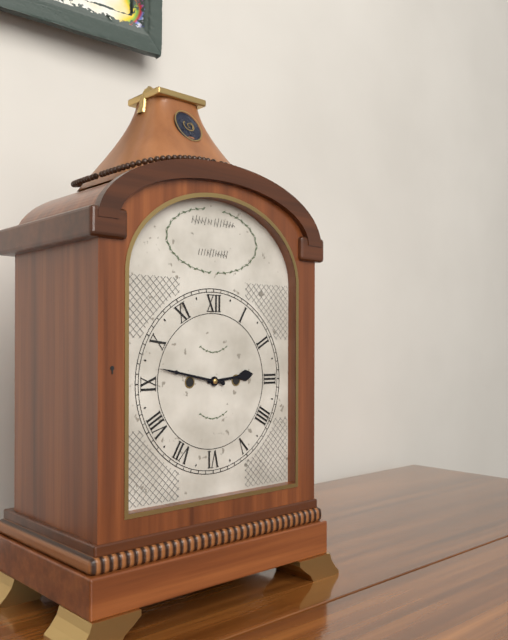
2.47
